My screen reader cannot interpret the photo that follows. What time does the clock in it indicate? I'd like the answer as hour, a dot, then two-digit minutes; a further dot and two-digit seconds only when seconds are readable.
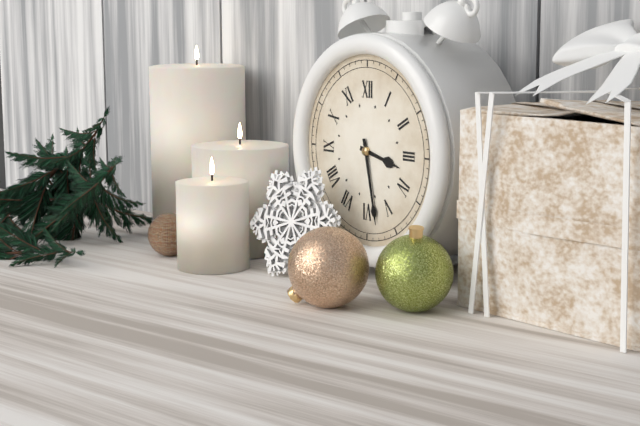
3.28
